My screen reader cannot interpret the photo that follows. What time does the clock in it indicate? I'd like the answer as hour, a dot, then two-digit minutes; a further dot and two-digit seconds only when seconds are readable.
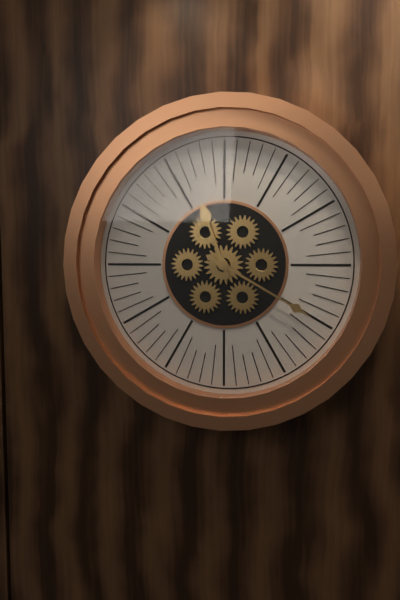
11.20
